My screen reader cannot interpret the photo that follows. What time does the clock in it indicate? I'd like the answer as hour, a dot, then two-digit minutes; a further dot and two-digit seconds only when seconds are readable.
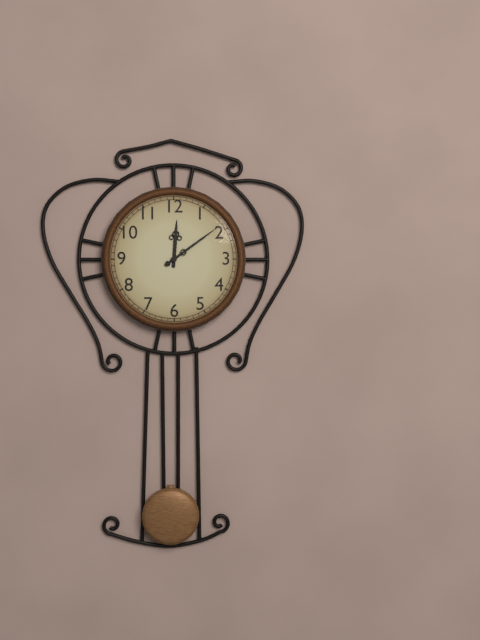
12.09
